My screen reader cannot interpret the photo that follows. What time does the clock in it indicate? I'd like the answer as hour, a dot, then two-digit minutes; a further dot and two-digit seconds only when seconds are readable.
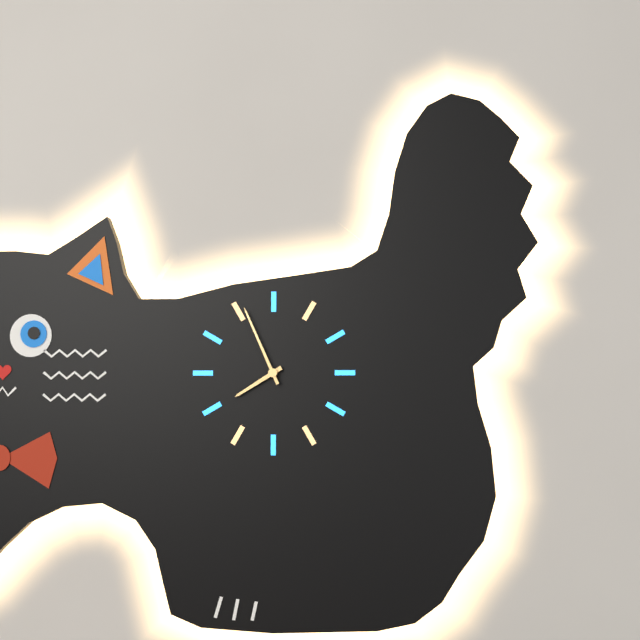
7.56
